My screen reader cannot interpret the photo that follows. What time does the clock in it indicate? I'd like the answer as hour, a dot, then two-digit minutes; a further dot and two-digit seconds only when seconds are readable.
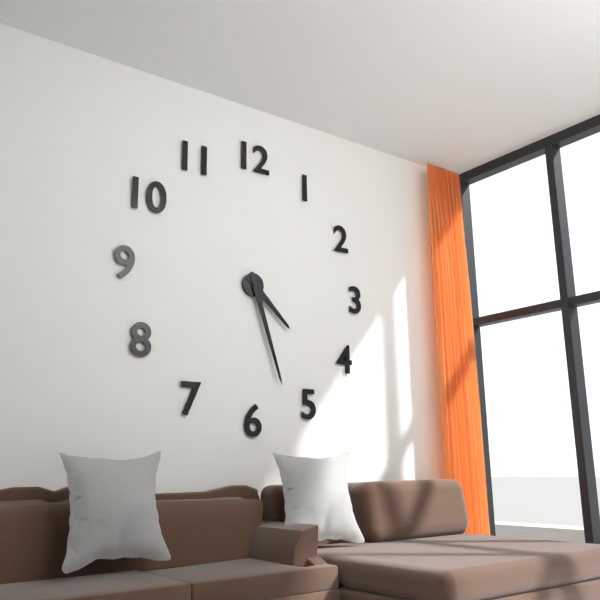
4.27
